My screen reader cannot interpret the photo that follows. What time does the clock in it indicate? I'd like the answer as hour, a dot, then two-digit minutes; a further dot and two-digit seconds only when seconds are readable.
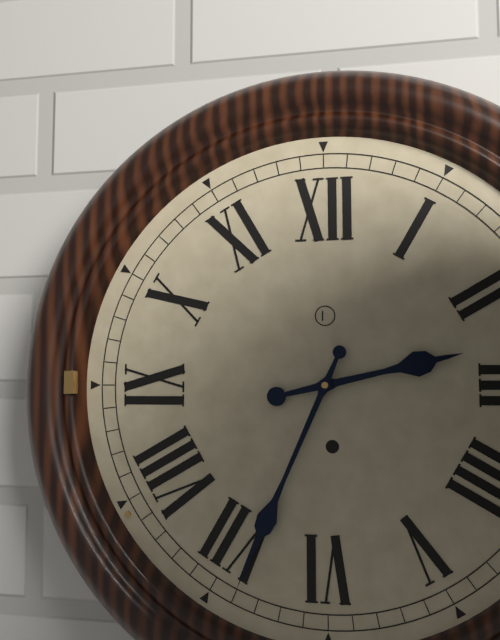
2.34
